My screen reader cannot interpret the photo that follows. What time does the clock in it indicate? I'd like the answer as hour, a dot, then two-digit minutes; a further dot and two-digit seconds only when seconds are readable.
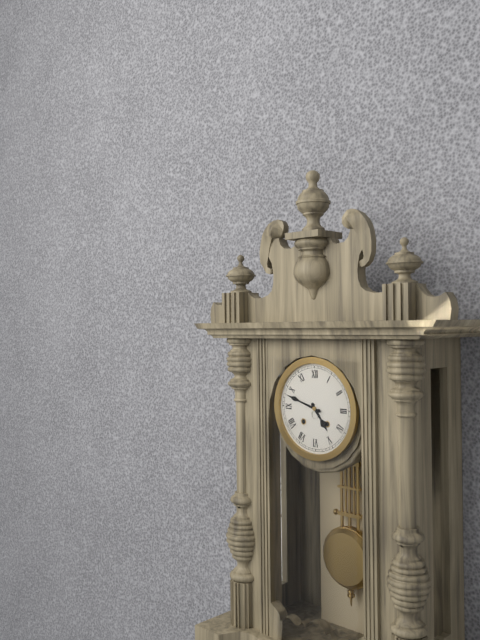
4.48
